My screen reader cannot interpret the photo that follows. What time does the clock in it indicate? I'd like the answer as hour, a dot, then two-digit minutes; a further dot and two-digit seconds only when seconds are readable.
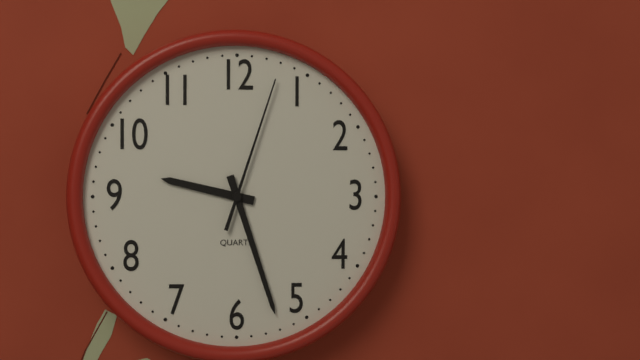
9.27.03
